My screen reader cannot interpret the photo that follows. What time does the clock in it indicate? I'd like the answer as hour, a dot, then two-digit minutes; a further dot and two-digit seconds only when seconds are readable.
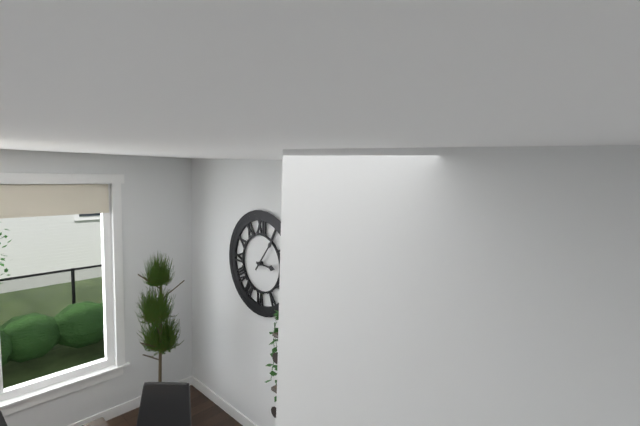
3.06
